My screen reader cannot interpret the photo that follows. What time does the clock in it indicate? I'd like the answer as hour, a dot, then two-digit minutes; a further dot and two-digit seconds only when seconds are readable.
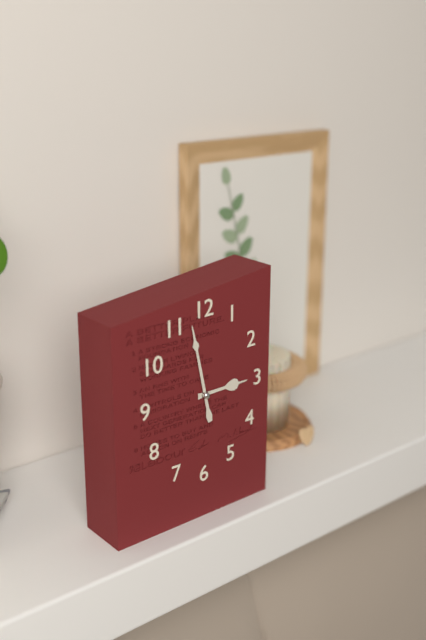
2.58
